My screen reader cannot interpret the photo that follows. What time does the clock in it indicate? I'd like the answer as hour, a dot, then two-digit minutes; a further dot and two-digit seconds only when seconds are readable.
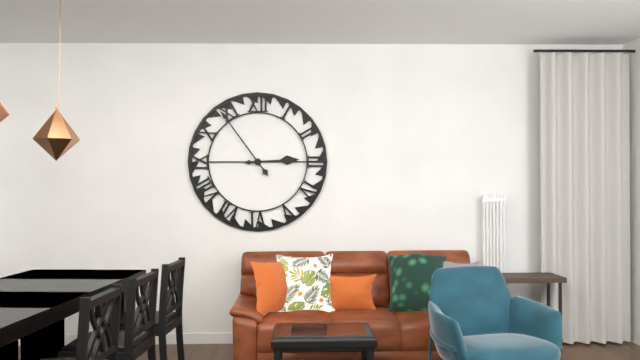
2.54
